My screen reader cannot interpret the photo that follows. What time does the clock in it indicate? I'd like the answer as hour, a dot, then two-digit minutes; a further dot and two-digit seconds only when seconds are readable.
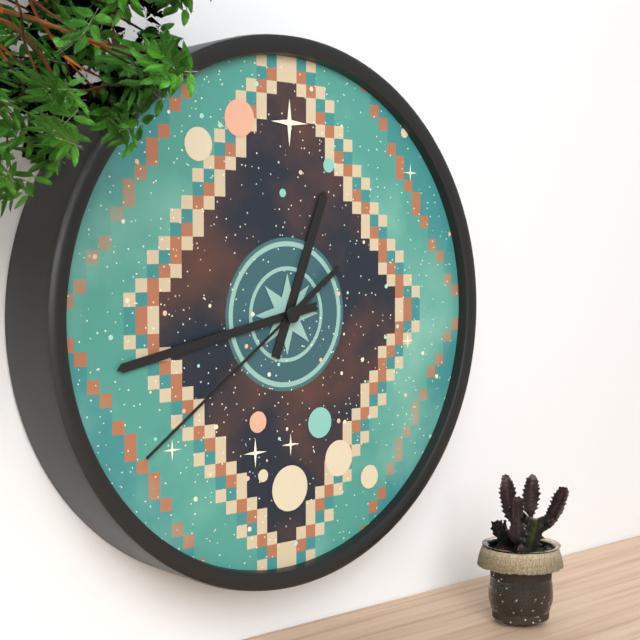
12.43.39
